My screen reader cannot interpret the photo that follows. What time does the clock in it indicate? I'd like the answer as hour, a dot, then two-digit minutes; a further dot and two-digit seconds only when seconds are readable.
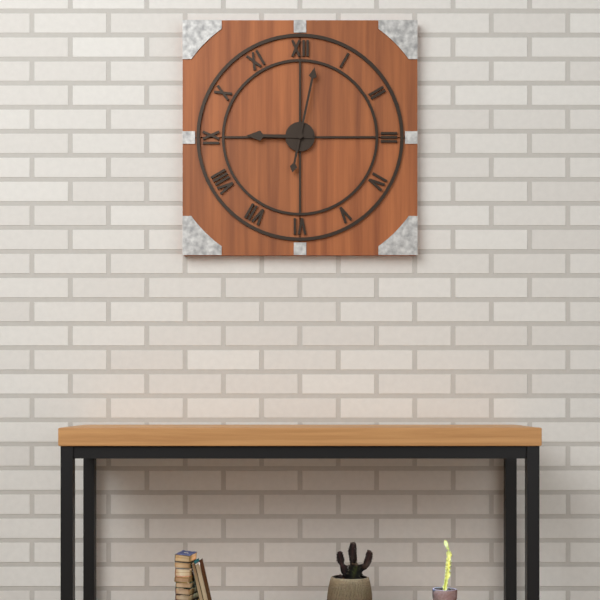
9.02
